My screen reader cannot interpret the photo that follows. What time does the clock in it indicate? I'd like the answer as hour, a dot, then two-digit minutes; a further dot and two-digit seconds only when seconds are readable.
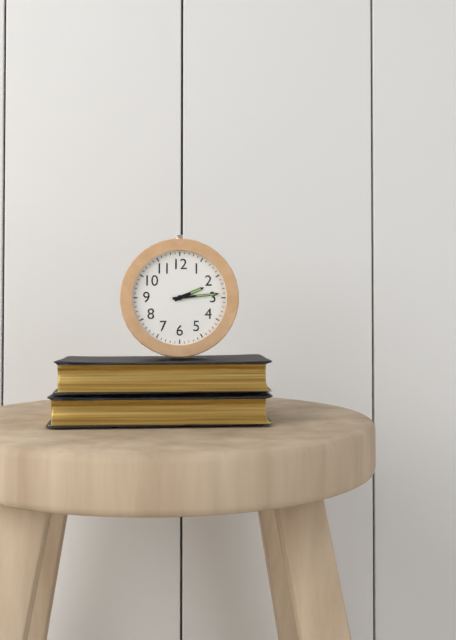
2.14
